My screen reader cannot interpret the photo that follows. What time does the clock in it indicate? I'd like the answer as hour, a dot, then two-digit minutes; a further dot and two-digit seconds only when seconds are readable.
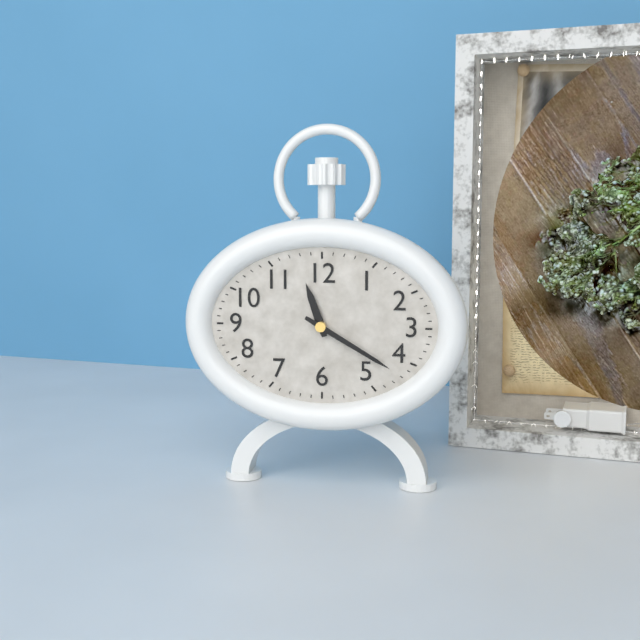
11.20
